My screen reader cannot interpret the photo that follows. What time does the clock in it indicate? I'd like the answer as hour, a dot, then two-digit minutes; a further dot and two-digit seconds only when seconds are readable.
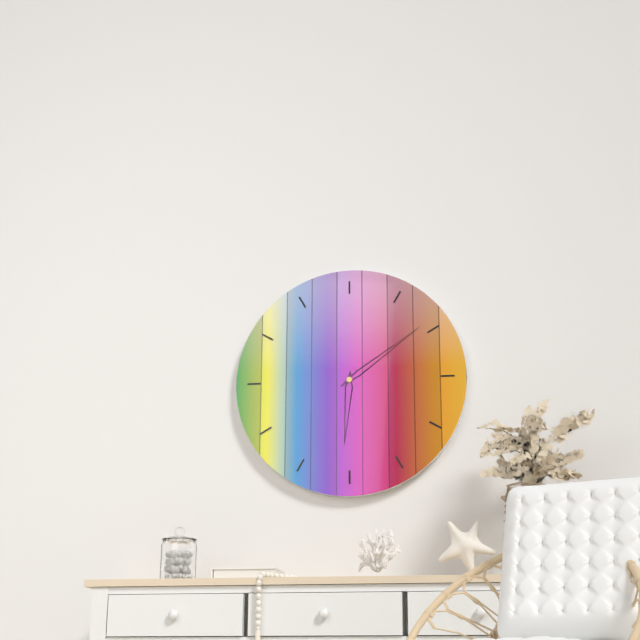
6.09
